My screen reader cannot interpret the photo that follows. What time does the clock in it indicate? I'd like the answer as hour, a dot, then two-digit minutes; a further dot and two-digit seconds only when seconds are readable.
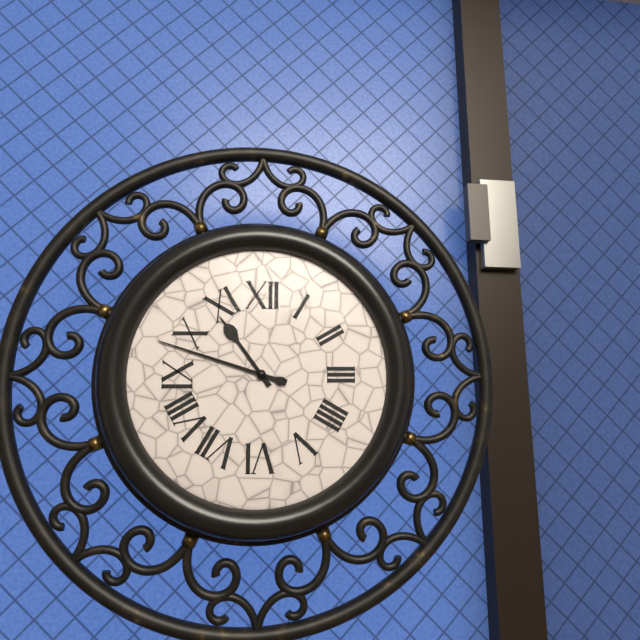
10.48
